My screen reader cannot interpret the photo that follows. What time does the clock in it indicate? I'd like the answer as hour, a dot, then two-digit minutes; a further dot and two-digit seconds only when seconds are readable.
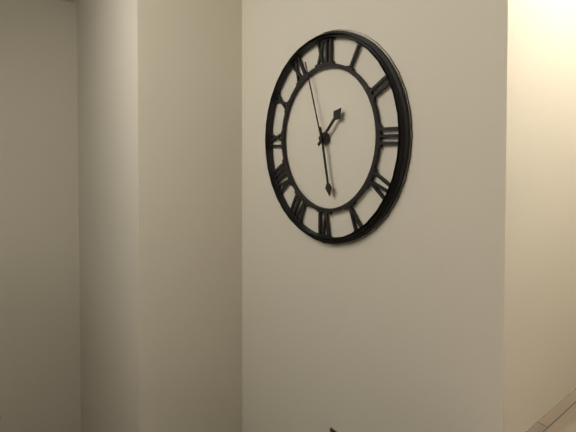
1.28.57
